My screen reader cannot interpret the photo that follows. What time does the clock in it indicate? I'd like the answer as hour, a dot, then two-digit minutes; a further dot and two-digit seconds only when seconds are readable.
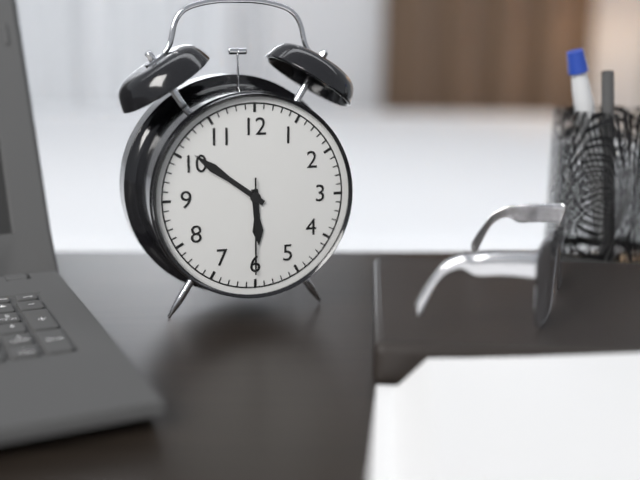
5.51.30
